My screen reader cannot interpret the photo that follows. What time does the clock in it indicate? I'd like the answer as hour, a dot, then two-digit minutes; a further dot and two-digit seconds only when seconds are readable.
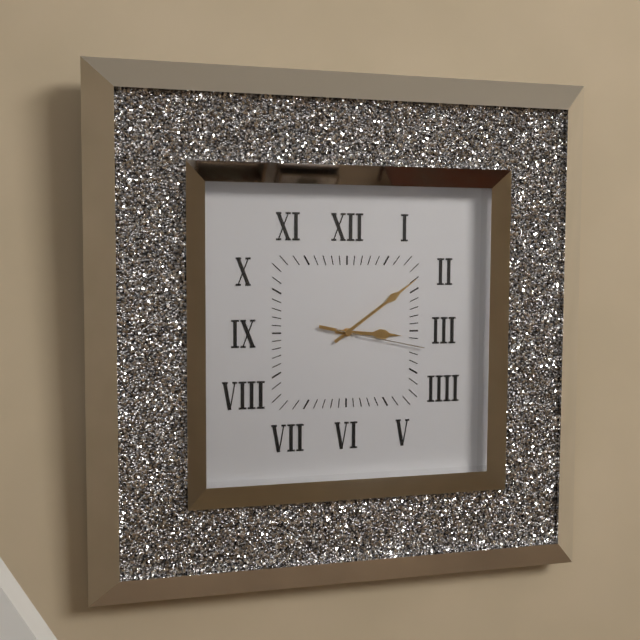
3.09.17
